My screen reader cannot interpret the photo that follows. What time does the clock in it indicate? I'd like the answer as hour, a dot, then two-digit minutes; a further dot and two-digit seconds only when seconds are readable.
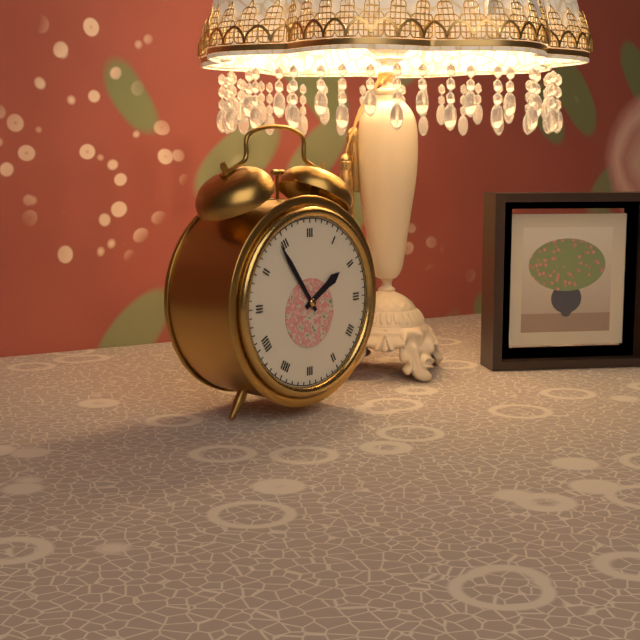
1.54
